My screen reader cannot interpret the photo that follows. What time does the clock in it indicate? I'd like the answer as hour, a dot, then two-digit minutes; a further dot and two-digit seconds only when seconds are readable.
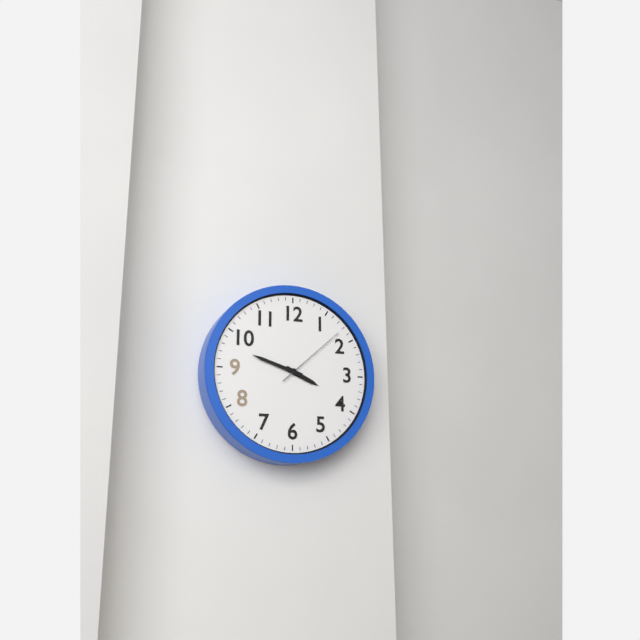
3.48.08
